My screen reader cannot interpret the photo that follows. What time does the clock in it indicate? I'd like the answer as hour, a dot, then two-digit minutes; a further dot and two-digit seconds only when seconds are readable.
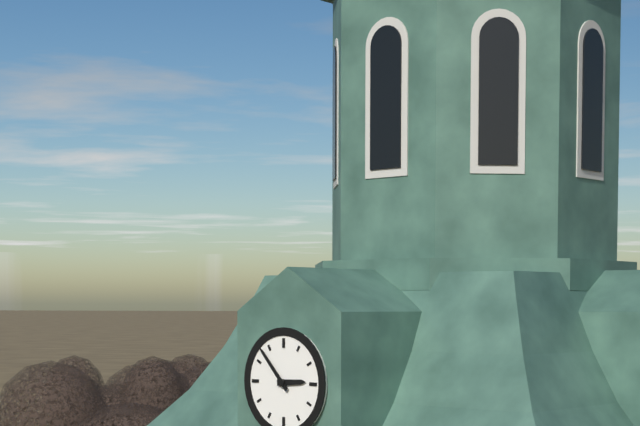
2.53
